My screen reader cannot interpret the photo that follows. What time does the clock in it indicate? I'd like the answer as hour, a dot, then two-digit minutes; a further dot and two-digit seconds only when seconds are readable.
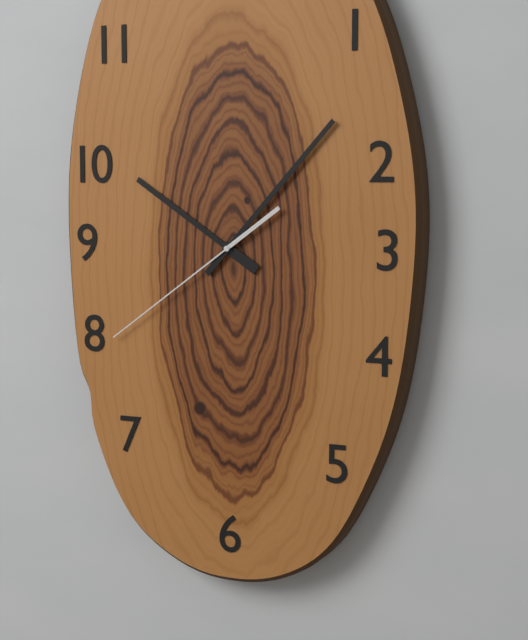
10.07.39
